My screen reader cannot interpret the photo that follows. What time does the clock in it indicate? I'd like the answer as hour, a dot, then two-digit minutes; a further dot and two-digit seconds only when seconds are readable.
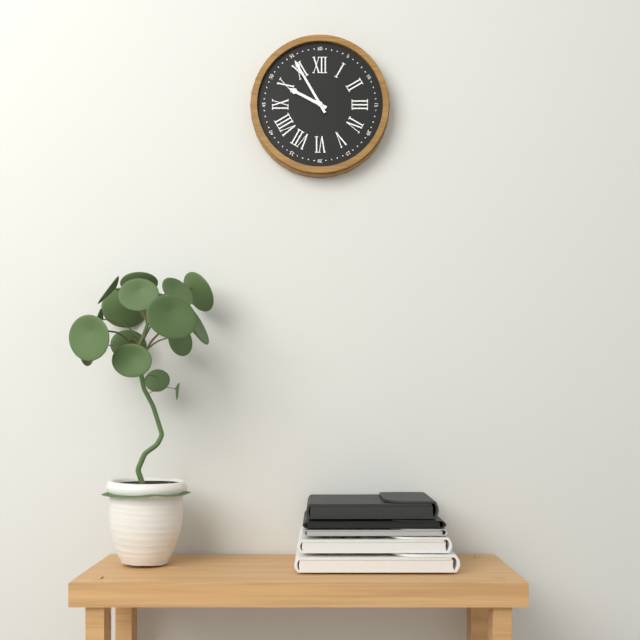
9.55
